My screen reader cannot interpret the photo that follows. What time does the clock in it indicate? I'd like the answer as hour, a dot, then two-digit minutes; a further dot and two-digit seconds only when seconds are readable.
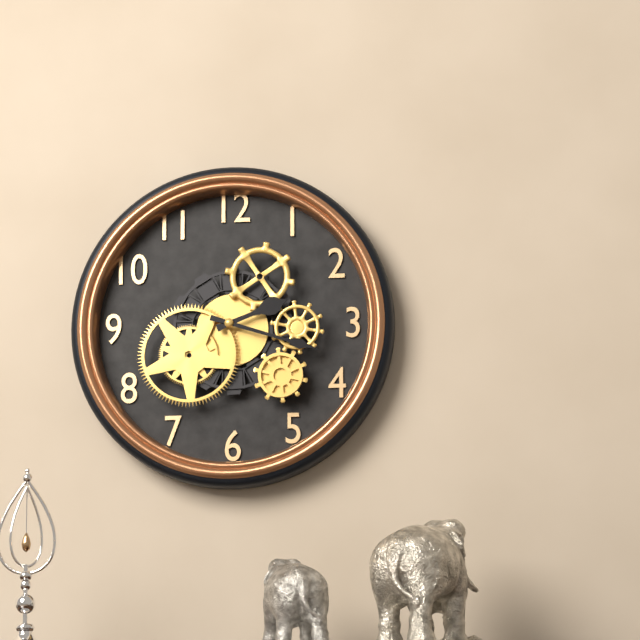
2.18
